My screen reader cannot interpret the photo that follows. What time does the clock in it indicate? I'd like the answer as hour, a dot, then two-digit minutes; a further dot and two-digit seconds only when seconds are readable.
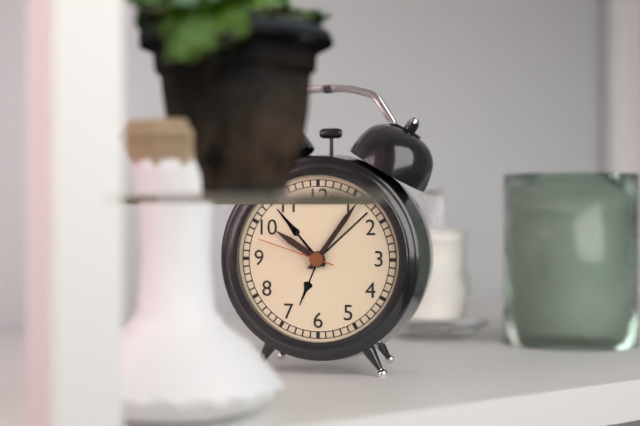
10.06.48
